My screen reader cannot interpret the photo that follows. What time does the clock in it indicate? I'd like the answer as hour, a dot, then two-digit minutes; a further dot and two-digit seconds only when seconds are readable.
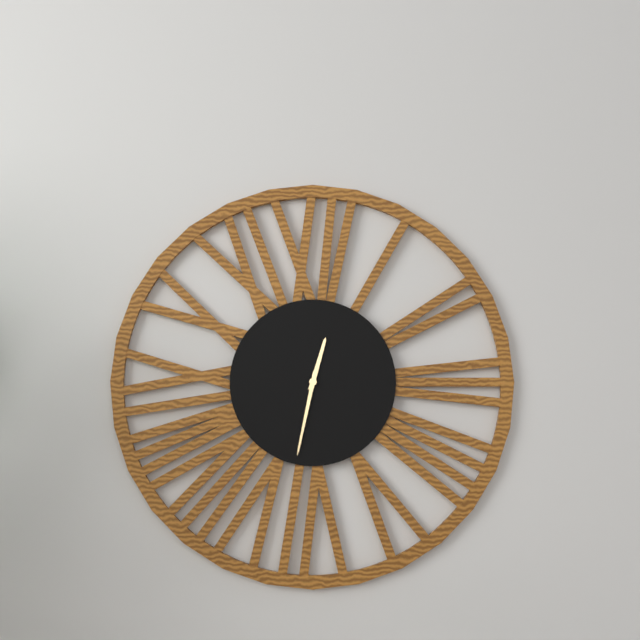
12.32
